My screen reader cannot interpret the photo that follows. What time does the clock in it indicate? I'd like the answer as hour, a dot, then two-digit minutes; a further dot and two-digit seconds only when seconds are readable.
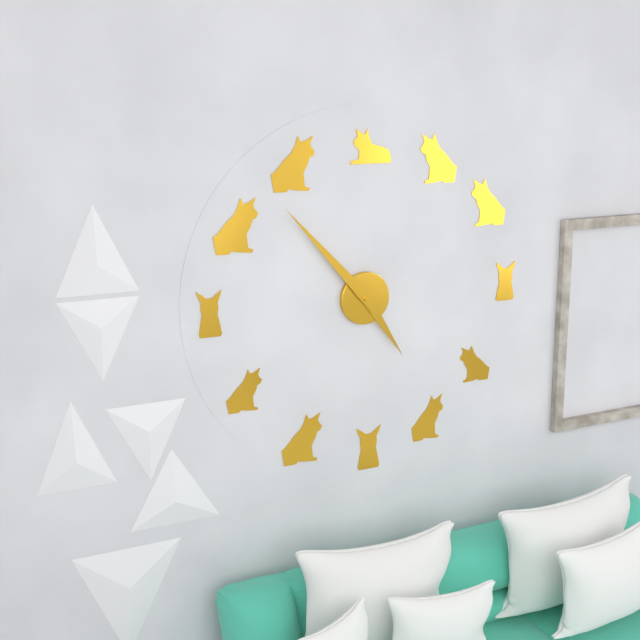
4.53
